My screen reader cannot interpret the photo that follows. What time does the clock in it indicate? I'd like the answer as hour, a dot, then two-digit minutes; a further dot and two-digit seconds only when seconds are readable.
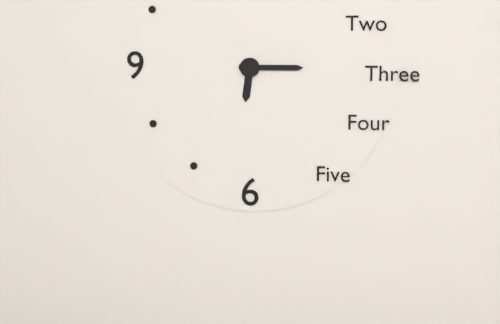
6.15
